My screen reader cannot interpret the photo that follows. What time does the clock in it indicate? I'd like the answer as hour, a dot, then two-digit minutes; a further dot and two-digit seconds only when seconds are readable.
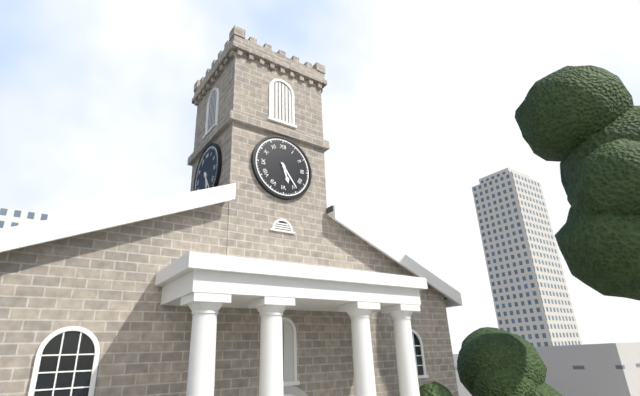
5.24
